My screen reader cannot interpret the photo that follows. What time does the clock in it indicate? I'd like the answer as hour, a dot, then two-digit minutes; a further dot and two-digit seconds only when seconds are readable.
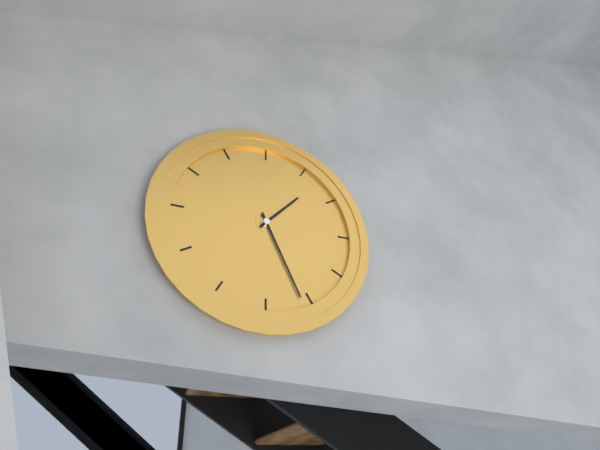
1.26
